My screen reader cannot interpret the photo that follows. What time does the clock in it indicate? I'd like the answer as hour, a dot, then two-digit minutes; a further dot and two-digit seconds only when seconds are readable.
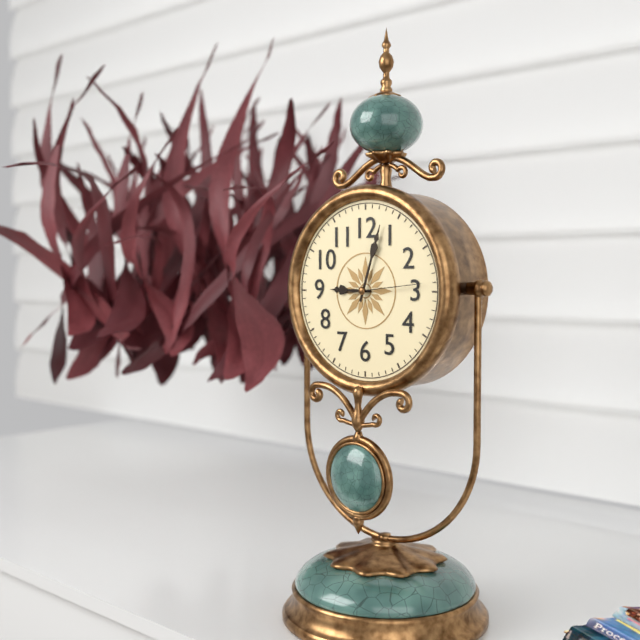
9.03.14
